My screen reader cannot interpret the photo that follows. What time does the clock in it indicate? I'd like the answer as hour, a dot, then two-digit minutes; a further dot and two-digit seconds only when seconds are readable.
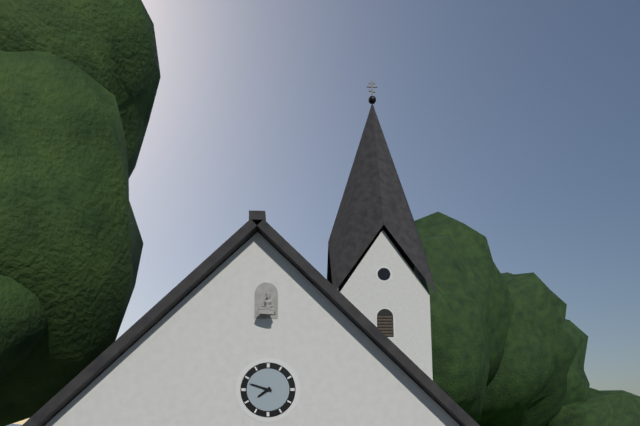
7.48
